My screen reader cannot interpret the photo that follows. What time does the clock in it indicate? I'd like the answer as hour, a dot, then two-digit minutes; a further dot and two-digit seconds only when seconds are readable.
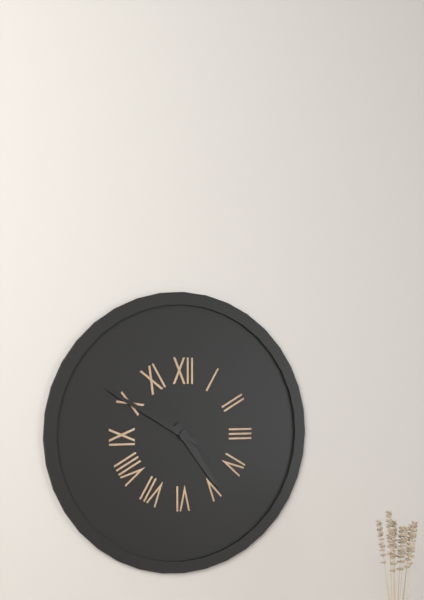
4.50
